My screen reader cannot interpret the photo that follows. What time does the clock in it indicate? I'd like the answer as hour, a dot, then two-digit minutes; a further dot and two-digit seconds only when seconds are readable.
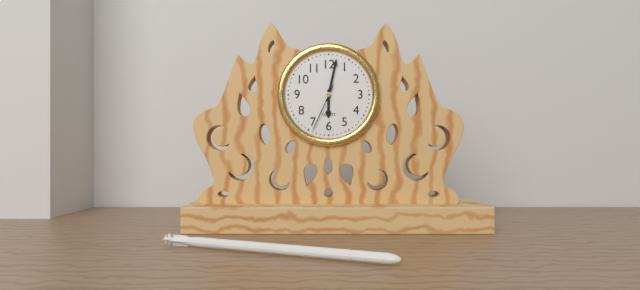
6.02
